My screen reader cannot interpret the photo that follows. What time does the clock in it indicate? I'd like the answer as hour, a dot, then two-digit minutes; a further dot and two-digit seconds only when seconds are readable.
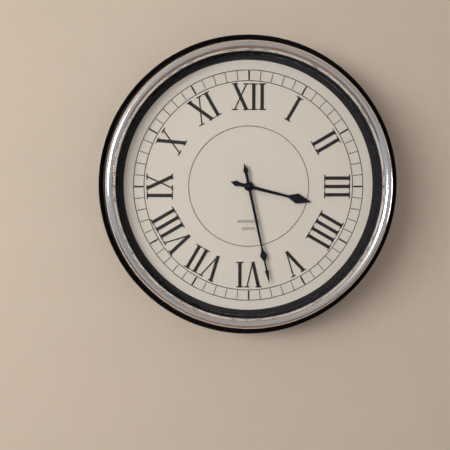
3.28
